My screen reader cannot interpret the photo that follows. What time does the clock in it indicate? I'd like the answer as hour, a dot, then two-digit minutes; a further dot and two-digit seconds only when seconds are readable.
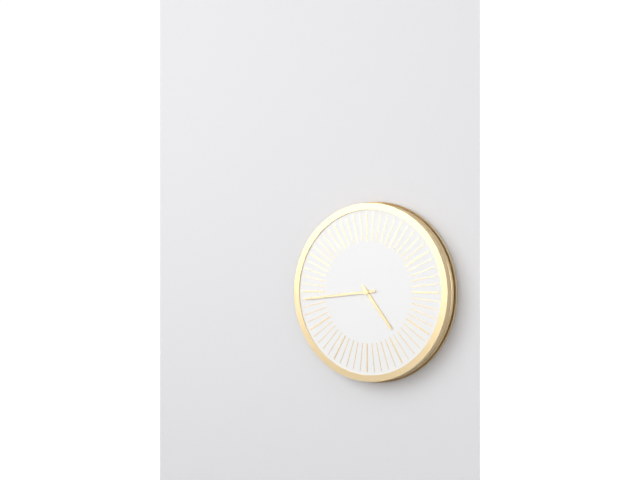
4.44
